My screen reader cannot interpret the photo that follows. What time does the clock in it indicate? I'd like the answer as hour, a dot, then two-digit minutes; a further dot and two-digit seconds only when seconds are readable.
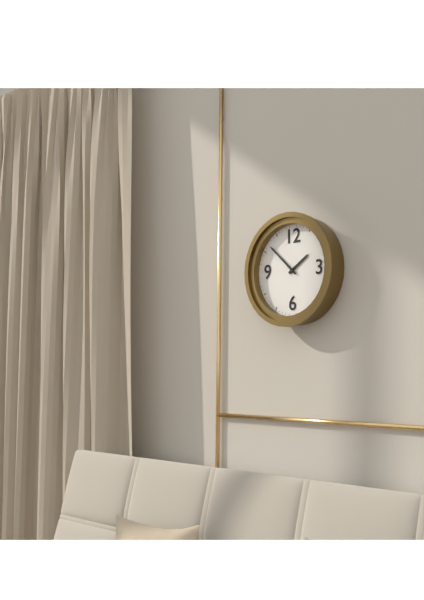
1.52
